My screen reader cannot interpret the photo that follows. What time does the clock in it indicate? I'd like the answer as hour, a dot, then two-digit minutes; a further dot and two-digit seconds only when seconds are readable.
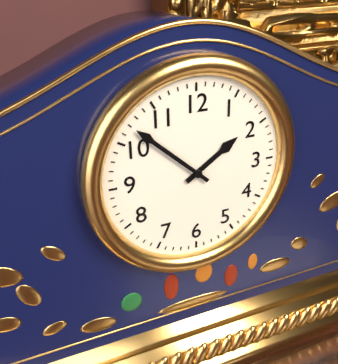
1.52
